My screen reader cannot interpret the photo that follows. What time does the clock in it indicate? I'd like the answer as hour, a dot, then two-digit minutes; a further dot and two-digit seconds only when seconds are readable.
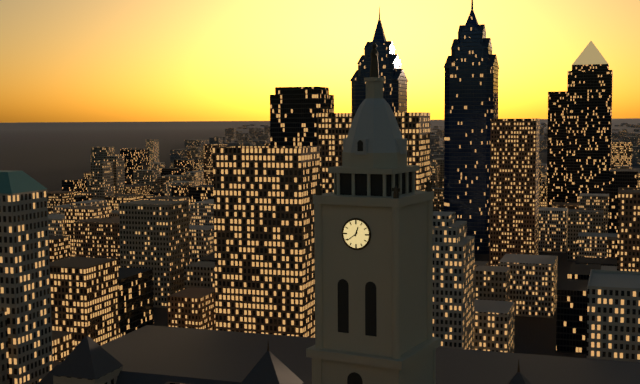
12.39
